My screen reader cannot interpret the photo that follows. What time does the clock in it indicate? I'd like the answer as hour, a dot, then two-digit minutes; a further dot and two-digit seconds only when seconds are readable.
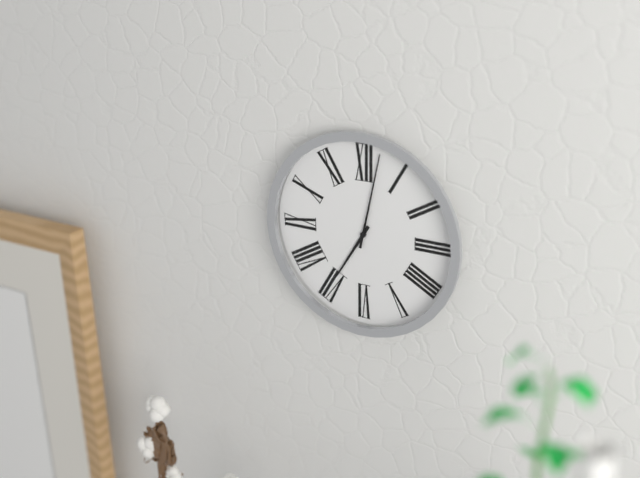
7.02
